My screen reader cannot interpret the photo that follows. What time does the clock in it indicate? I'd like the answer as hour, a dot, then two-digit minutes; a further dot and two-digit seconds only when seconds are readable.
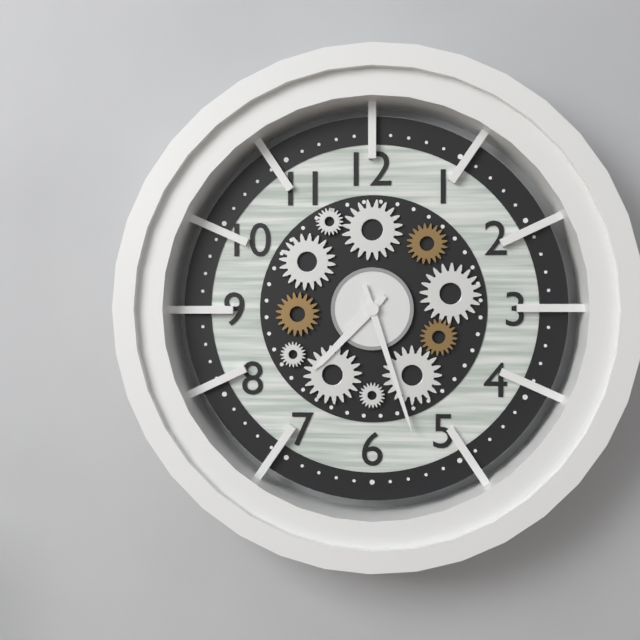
7.27
